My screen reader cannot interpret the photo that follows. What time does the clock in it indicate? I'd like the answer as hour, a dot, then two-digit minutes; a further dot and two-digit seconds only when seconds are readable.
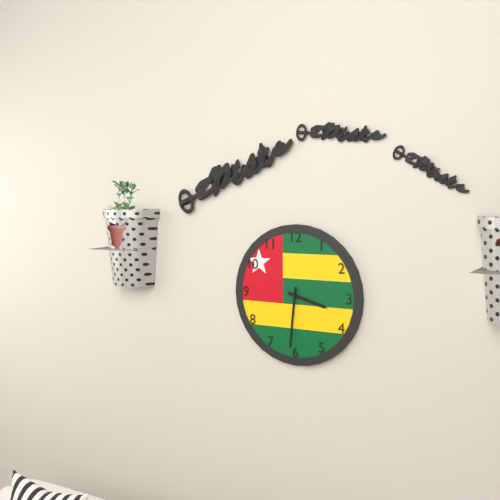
3.31
